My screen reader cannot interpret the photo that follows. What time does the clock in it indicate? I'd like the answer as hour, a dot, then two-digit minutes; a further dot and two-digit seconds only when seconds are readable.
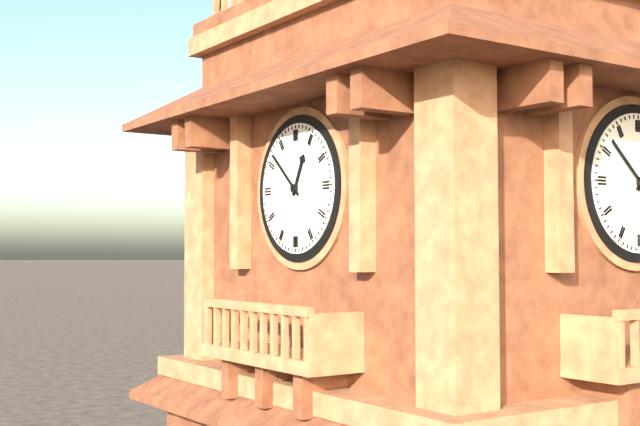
12.52
